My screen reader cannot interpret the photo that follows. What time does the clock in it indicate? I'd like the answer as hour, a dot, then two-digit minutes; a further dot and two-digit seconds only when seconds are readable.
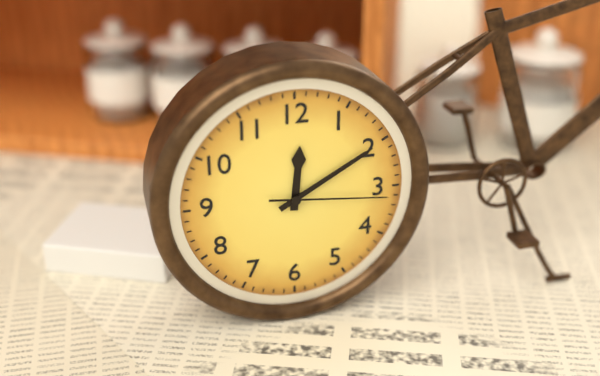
12.10.16
